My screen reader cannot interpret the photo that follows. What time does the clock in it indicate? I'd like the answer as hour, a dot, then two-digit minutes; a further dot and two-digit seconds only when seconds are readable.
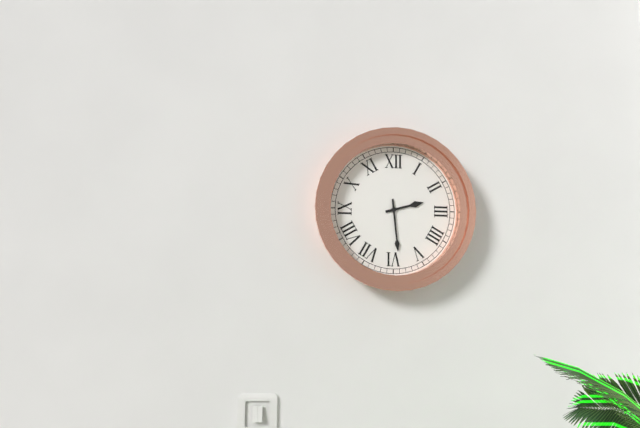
2.29
